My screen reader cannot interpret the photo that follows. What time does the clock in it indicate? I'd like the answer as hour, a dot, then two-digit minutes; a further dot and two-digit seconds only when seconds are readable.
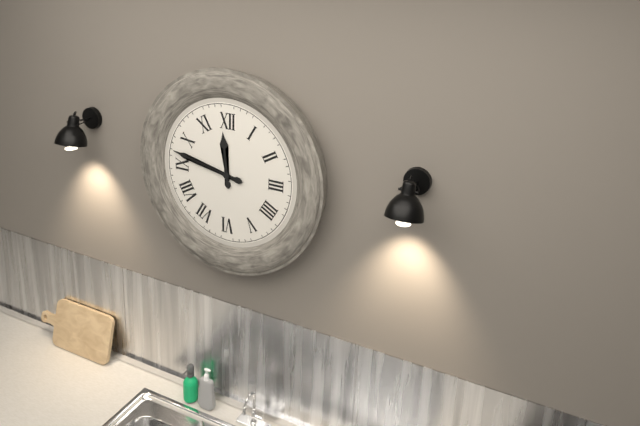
11.47
